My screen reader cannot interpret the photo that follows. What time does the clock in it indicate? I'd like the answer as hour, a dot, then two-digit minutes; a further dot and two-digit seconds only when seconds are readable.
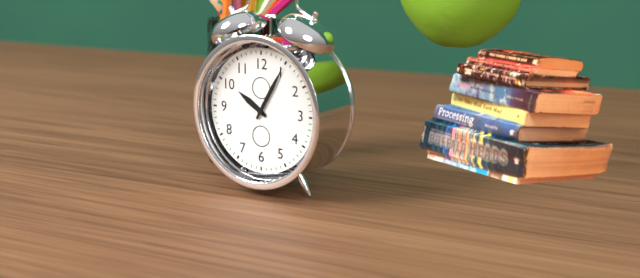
10.05
